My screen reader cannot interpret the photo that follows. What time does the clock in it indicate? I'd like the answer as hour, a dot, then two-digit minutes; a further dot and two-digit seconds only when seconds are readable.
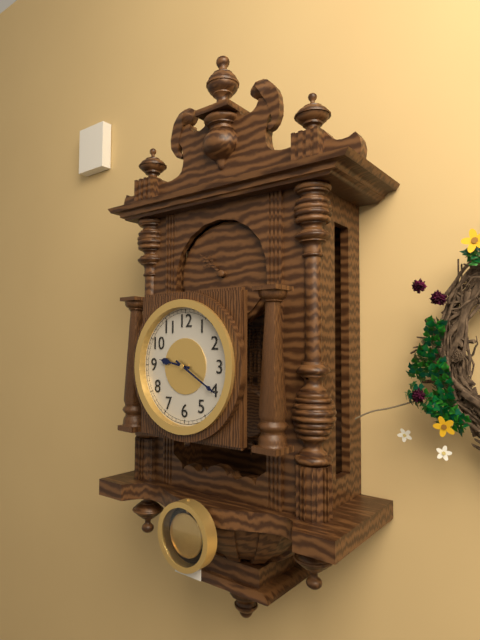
9.20
